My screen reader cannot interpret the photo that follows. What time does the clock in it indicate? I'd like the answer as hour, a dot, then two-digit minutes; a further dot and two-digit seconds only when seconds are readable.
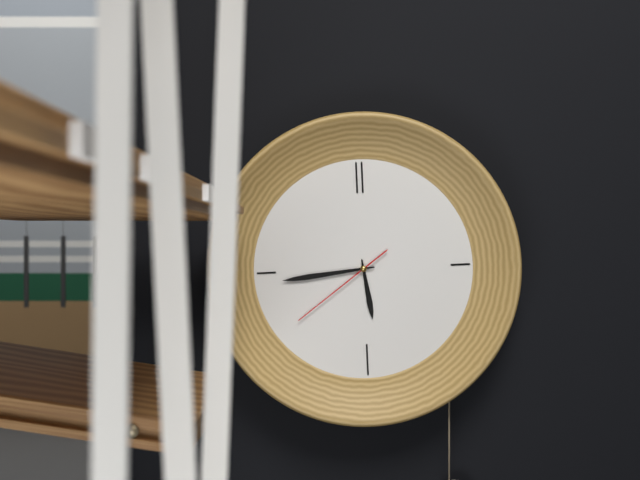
5.44.39
